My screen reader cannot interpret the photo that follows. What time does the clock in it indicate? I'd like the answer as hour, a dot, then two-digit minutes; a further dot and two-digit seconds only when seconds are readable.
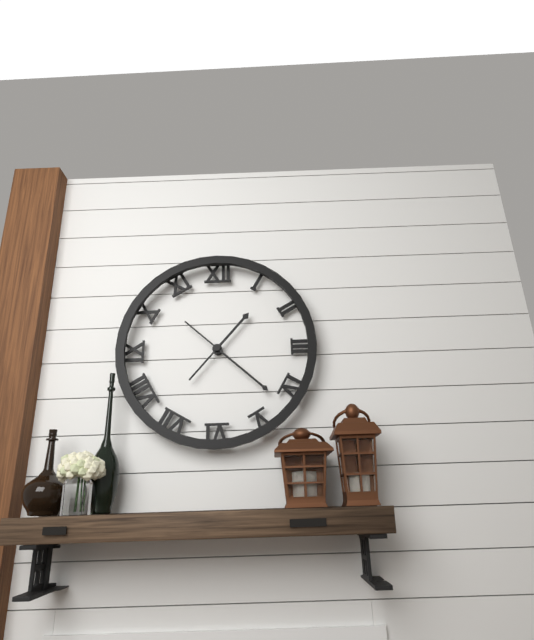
1.22
